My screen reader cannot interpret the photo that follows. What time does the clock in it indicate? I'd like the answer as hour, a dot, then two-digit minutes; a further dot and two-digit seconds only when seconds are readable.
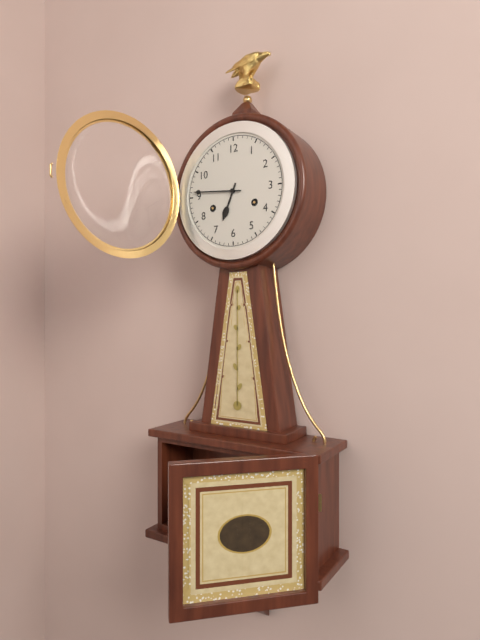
6.46
